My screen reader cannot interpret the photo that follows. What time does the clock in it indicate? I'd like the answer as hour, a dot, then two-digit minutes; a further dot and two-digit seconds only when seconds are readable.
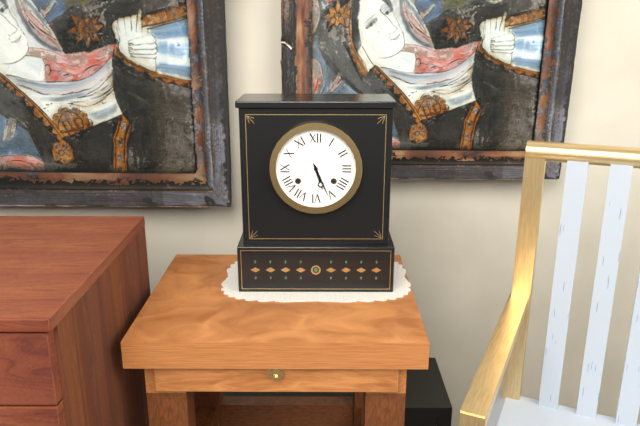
5.26
